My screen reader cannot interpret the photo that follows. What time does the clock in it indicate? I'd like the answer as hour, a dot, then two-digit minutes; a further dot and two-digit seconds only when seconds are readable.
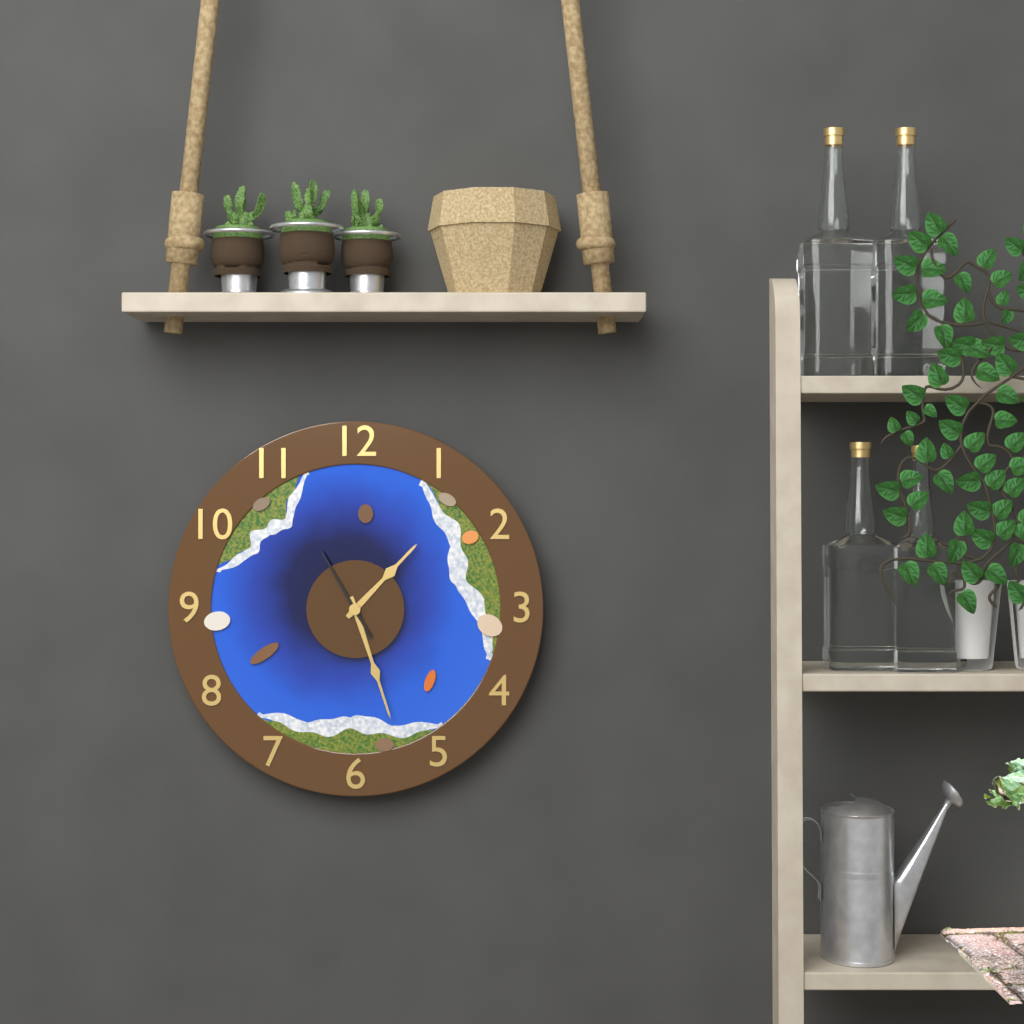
1.27.55
